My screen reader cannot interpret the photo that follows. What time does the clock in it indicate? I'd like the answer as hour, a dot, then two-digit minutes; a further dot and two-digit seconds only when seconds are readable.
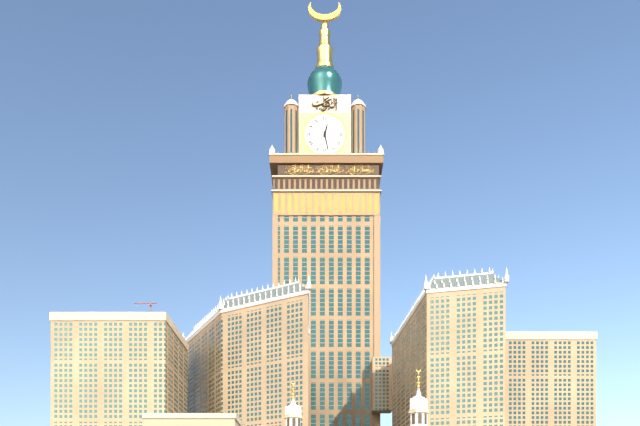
12.28
